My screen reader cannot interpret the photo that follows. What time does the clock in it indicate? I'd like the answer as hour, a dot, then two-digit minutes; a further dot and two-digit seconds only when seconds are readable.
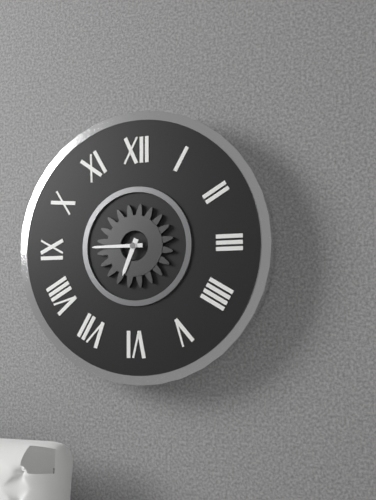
6.45
